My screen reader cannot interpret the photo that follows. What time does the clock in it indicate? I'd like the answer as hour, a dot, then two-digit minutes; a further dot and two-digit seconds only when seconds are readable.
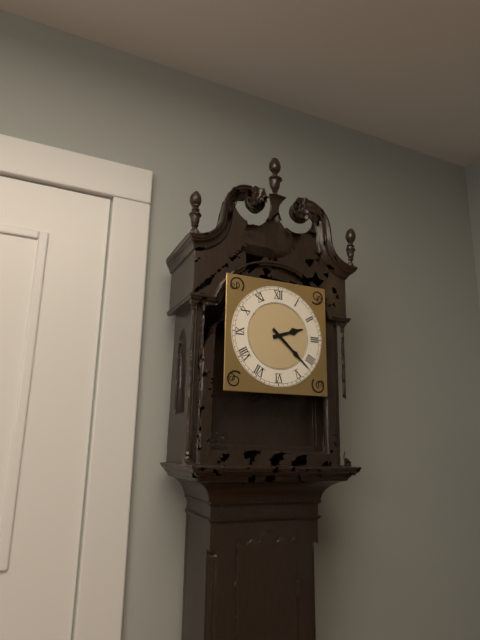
2.22
